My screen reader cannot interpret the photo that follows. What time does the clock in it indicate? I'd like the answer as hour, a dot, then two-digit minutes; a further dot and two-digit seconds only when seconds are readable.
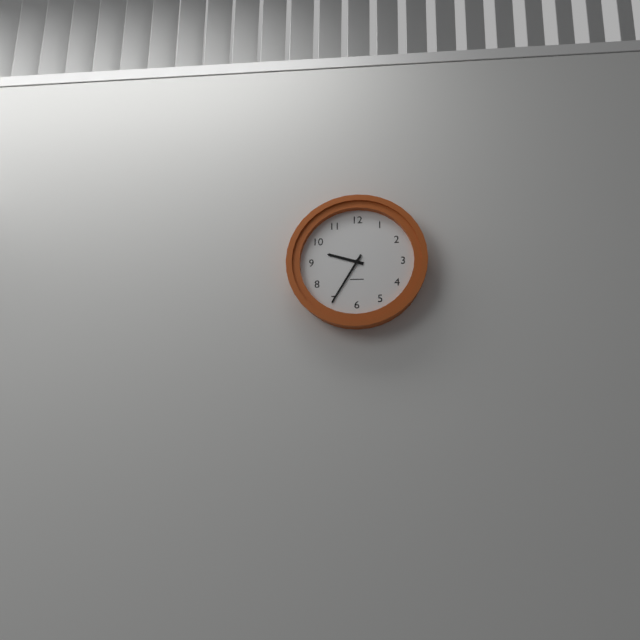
9.35
